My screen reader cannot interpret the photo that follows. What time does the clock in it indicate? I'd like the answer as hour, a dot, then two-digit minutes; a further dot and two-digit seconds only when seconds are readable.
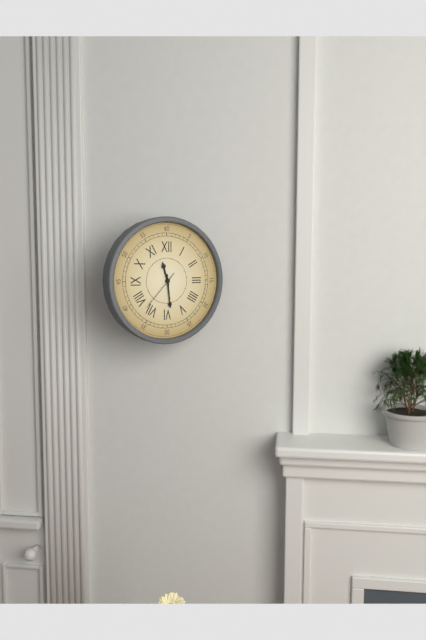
11.29
